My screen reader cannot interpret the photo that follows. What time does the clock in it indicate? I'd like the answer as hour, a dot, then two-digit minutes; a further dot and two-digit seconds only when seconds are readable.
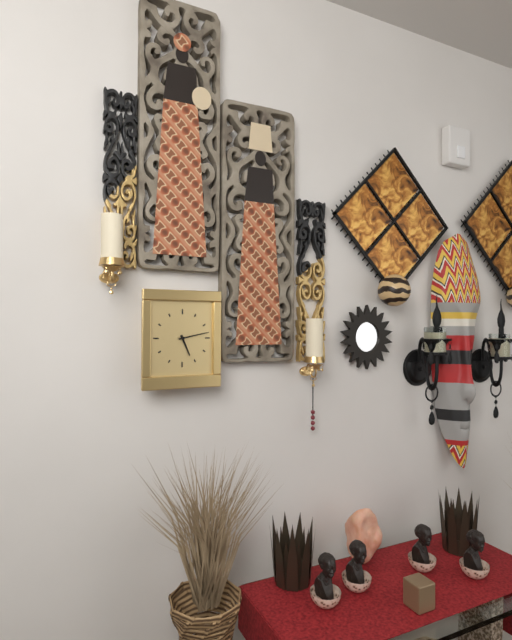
5.13
